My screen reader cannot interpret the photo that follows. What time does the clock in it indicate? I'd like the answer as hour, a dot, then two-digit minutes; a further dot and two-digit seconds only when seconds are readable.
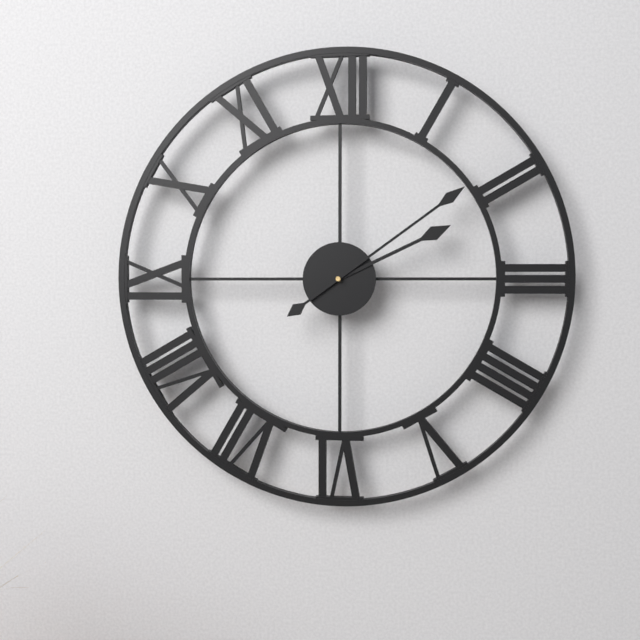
2.09
